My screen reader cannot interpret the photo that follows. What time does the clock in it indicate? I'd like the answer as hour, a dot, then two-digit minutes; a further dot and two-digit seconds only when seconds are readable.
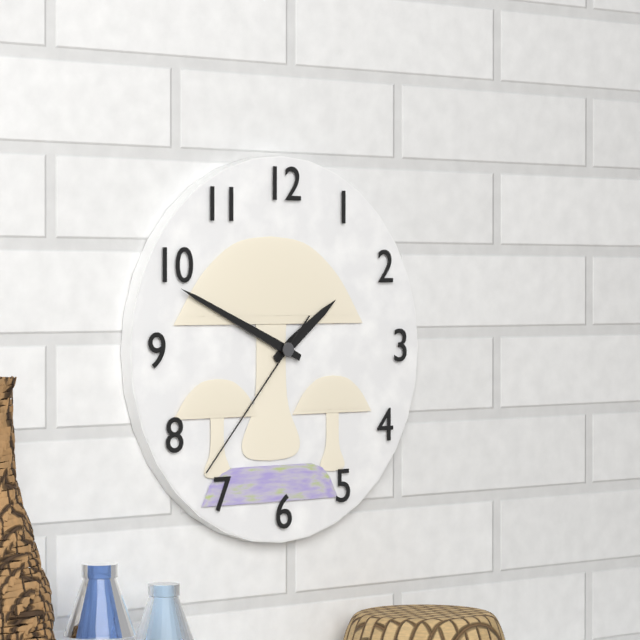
1.49.37
